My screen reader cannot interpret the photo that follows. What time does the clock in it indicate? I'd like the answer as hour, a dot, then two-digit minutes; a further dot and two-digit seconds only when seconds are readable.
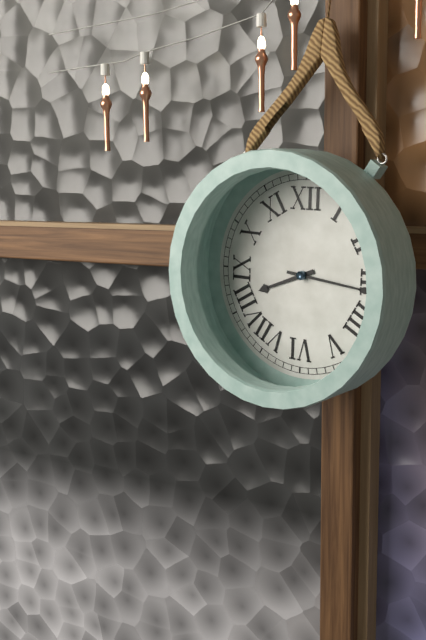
8.16
